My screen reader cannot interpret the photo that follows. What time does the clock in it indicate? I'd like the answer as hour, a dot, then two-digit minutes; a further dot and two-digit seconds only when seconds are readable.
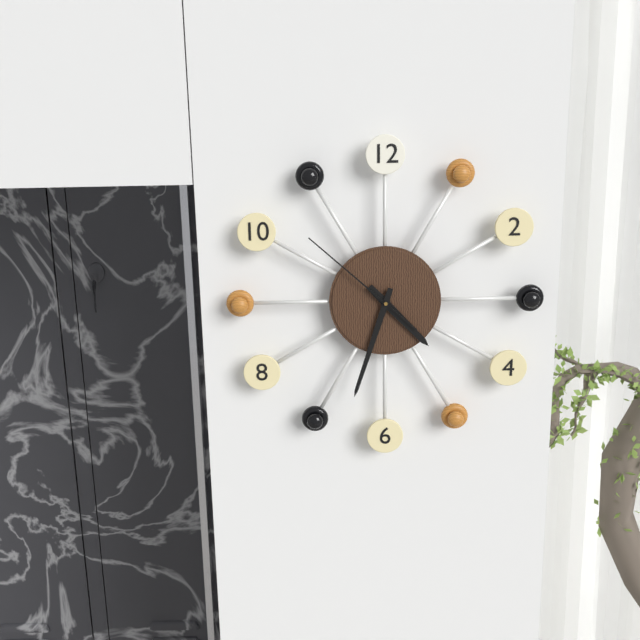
4.33.52
